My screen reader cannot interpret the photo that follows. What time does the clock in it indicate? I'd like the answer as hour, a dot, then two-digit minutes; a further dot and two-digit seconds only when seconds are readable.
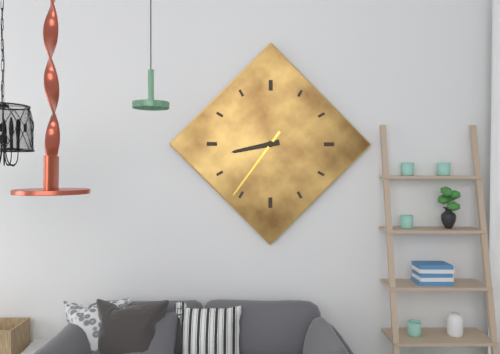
8.36
